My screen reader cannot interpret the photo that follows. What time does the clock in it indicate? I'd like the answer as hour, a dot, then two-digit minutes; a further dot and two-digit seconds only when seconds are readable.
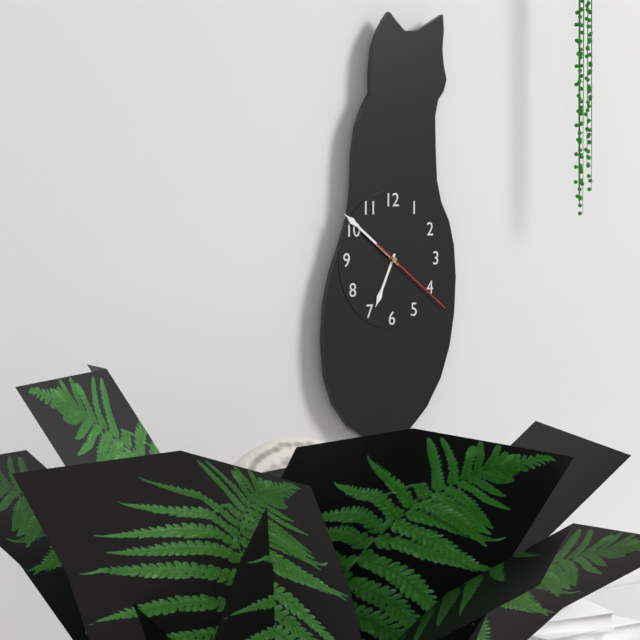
6.51.21
